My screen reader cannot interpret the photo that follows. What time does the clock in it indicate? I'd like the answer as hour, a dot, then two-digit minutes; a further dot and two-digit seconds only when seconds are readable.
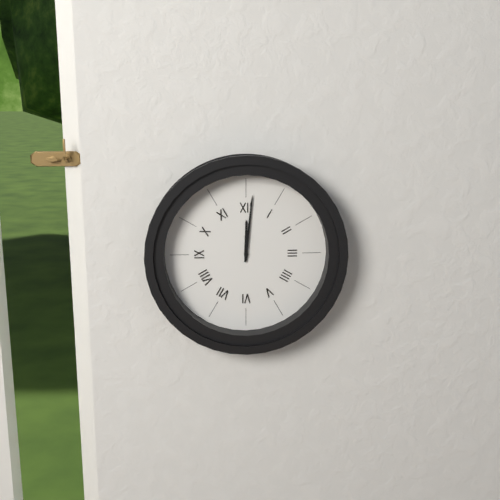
12.01
